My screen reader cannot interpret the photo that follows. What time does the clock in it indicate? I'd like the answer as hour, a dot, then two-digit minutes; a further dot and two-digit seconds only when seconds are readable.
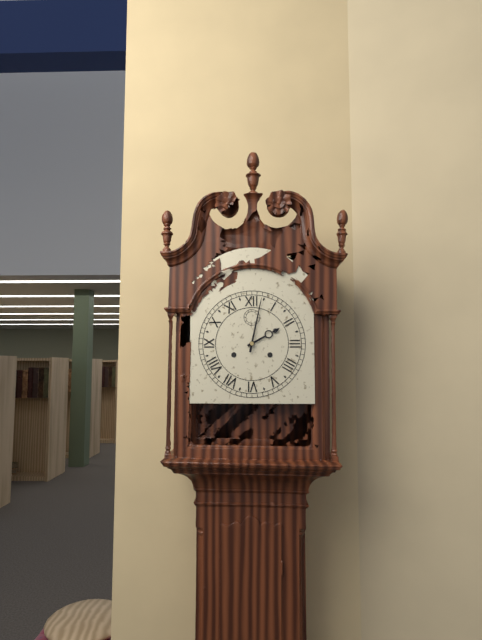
2.02
